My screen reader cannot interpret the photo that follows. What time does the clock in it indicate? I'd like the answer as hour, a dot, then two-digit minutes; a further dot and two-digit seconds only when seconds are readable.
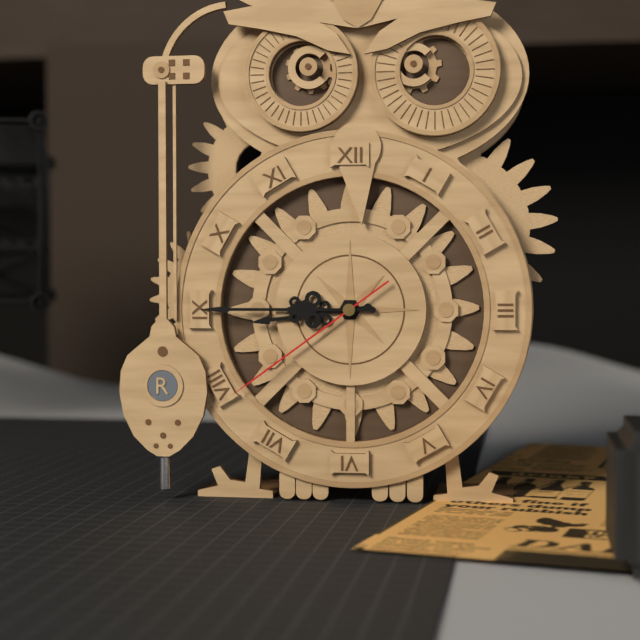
8.45.39
